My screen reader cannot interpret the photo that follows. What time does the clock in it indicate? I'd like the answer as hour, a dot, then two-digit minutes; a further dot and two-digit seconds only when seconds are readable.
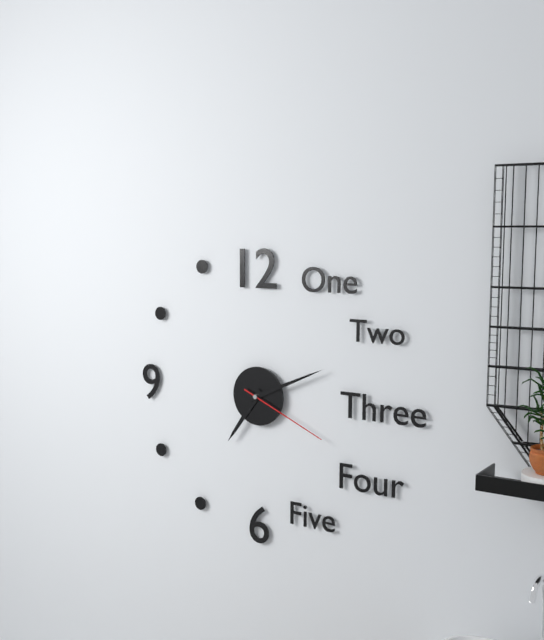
7.11.19
